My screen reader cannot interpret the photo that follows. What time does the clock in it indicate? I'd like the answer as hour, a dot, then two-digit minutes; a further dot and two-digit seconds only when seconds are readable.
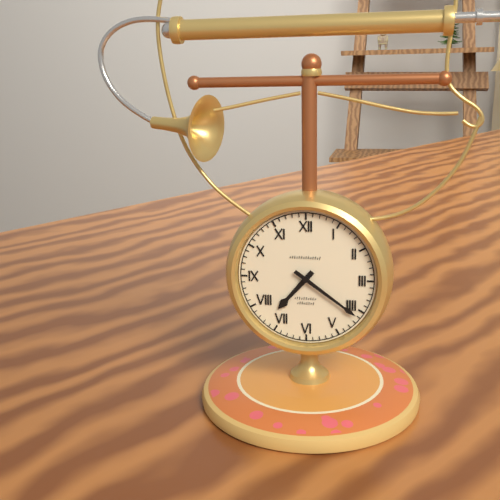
7.21
